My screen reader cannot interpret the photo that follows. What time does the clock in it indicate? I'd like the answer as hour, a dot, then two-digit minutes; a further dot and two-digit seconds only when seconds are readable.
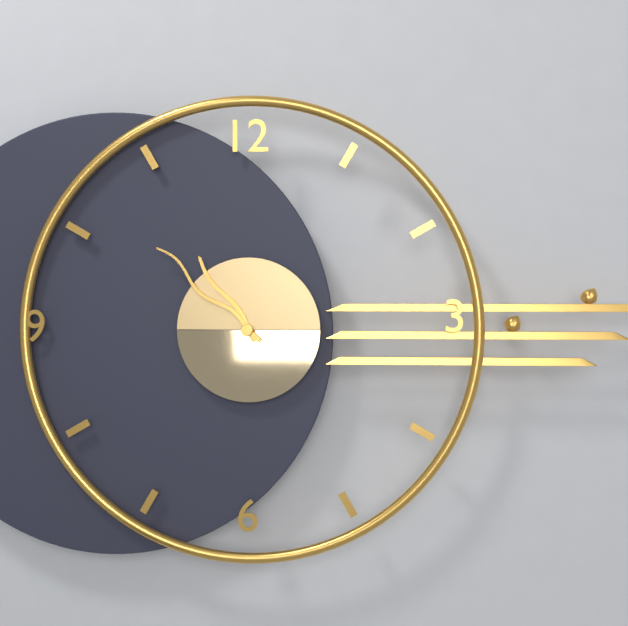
10.52
